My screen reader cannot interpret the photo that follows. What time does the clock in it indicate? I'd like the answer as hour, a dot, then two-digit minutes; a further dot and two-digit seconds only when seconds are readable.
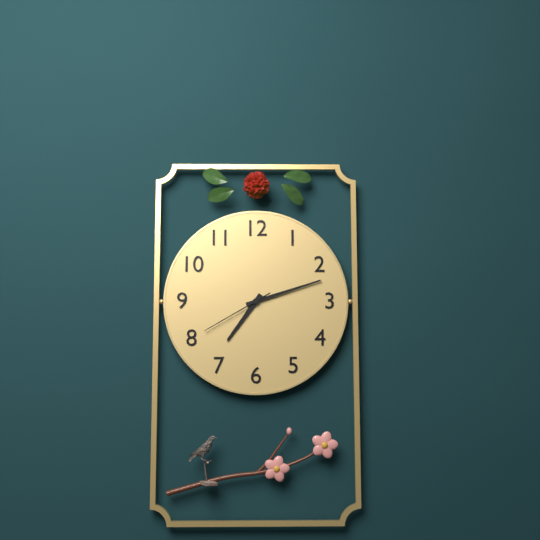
7.12.40
